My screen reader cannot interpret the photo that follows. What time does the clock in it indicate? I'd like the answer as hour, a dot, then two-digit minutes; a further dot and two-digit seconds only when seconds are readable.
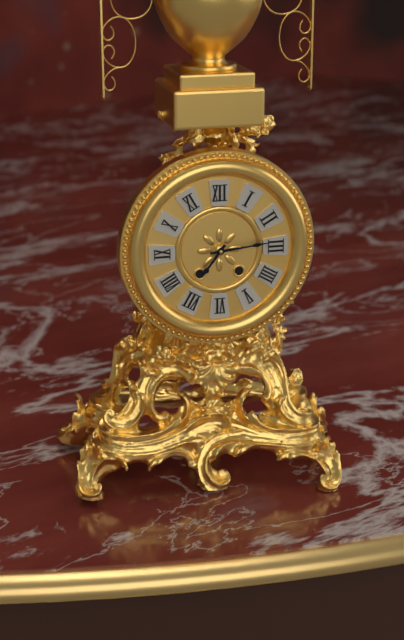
7.14
